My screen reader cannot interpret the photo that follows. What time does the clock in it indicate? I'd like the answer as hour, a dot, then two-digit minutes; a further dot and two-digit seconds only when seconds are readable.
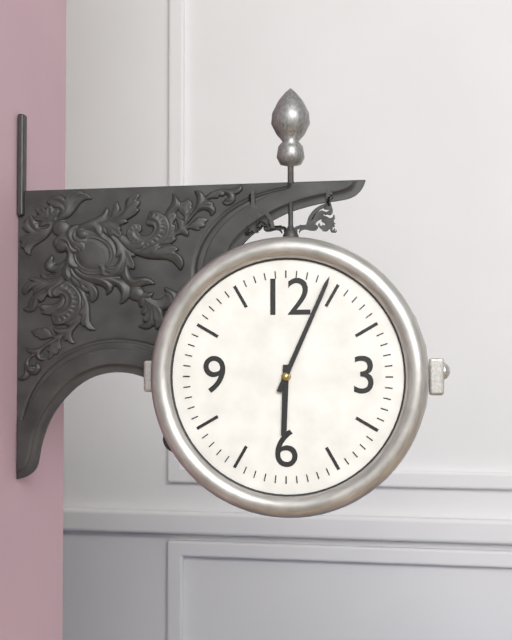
6.04
